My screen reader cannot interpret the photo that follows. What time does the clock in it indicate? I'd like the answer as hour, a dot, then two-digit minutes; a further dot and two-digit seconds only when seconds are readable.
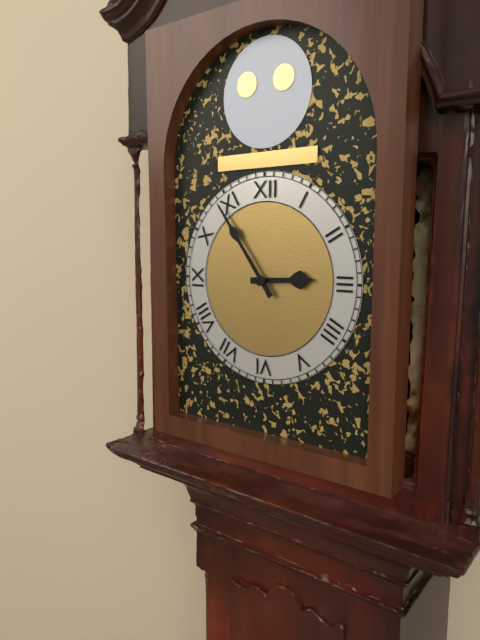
2.54
